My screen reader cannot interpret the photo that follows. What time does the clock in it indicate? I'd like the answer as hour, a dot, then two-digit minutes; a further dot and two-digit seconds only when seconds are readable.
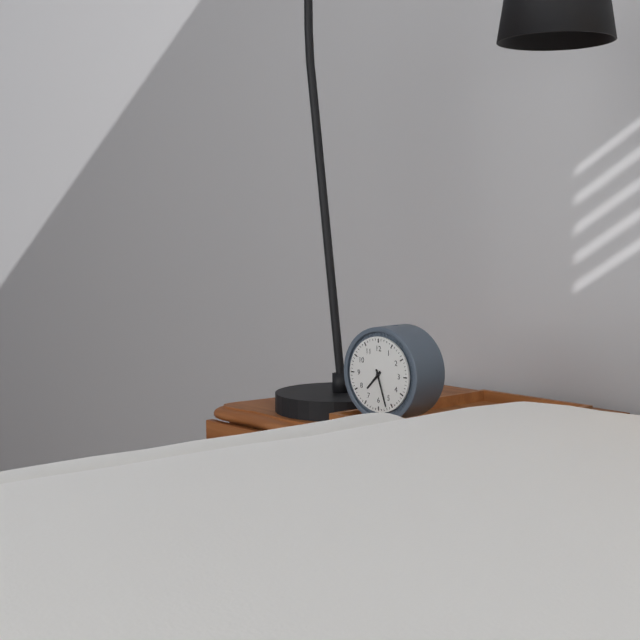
7.27
